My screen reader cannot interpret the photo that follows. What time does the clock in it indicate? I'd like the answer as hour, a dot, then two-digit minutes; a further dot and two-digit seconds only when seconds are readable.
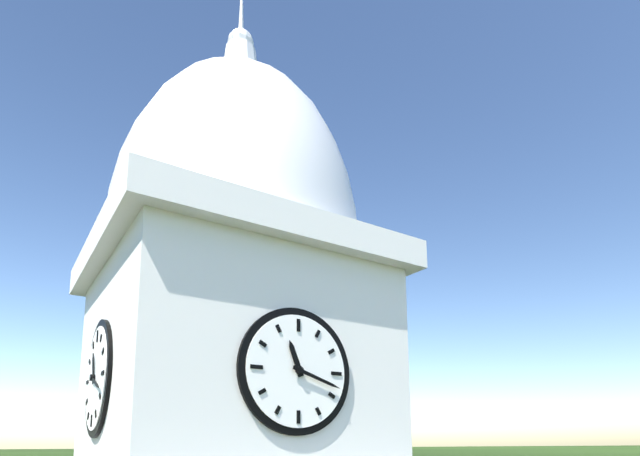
11.18
